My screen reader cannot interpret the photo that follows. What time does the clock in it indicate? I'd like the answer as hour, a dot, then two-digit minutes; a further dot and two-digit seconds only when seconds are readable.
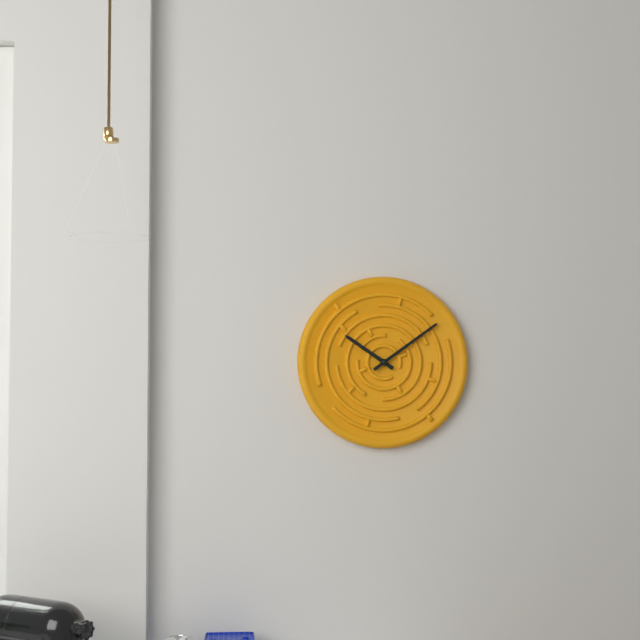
10.09
